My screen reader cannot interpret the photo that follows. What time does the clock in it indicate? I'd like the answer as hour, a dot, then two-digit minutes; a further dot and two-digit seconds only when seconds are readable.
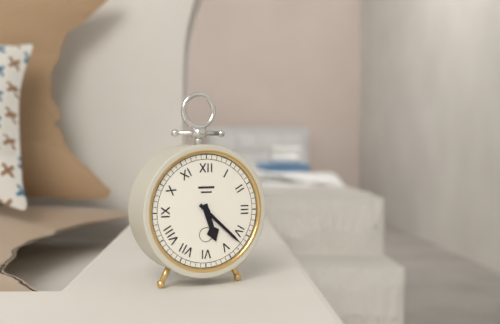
5.22
